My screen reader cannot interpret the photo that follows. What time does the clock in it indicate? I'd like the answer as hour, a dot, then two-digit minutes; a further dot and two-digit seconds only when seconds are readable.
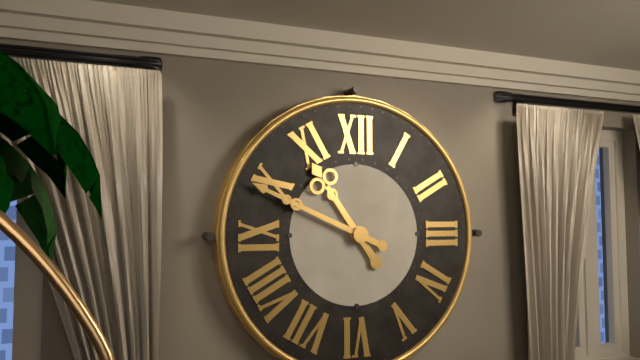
10.49
